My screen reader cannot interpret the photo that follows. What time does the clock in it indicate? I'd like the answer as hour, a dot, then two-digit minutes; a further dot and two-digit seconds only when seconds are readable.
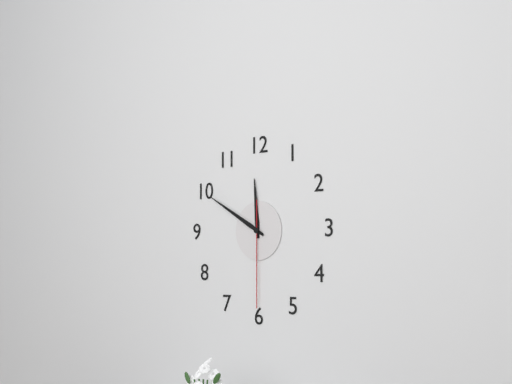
11.50.30
